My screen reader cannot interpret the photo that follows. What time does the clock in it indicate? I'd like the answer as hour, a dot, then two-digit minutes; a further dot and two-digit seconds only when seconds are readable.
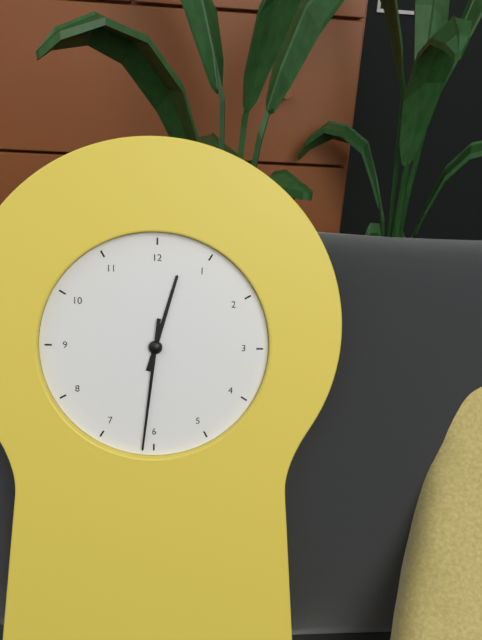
12.31
